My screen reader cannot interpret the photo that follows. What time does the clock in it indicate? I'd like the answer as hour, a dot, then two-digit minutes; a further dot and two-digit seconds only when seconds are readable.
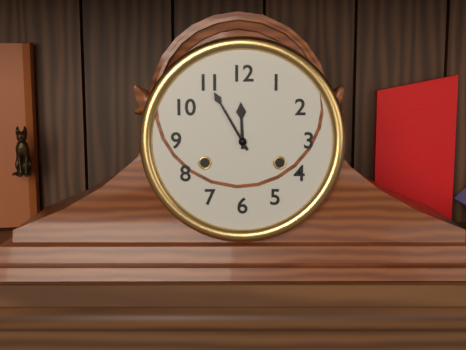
11.55
